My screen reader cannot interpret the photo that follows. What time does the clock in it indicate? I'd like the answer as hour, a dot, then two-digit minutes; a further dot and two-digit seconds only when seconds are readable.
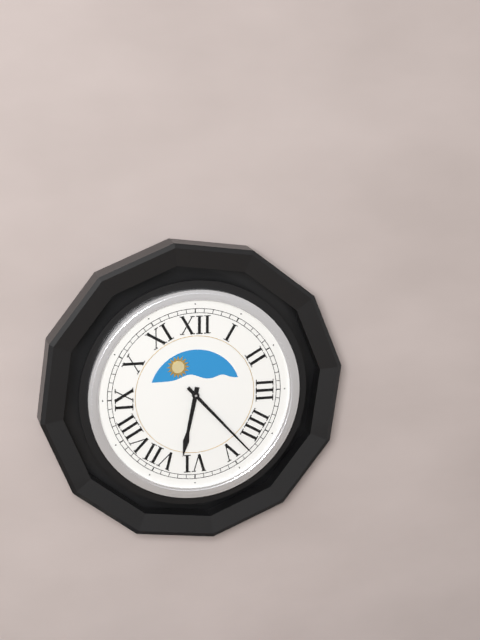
6.23
